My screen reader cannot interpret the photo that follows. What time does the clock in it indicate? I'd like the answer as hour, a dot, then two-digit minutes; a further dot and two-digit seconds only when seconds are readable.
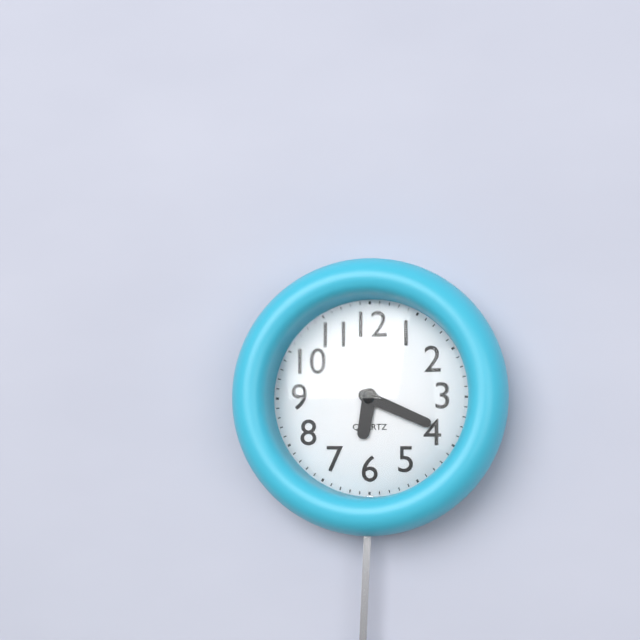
6.19
